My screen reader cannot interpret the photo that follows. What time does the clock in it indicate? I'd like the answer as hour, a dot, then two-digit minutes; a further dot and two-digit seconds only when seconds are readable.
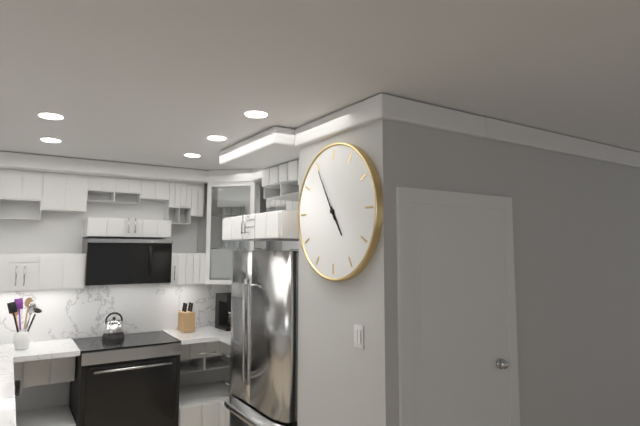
4.55
